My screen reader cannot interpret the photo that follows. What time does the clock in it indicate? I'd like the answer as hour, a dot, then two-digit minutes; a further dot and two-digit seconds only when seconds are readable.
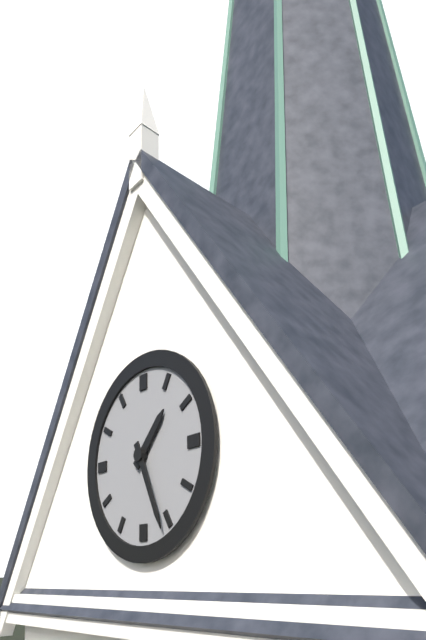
1.26
